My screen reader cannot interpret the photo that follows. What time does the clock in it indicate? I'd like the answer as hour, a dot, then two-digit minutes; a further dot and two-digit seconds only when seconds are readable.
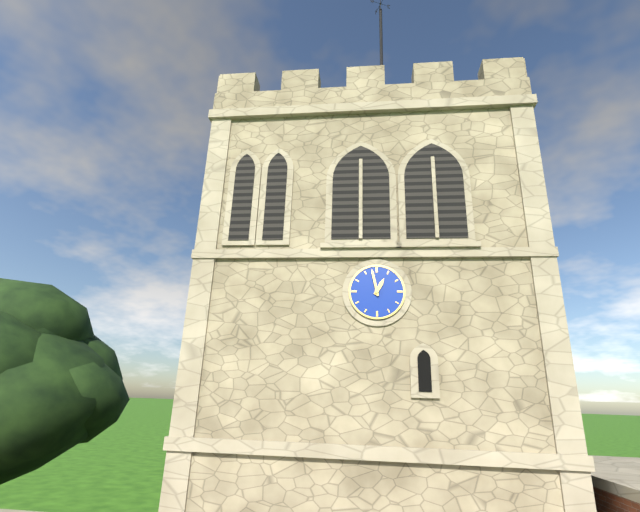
12.58
